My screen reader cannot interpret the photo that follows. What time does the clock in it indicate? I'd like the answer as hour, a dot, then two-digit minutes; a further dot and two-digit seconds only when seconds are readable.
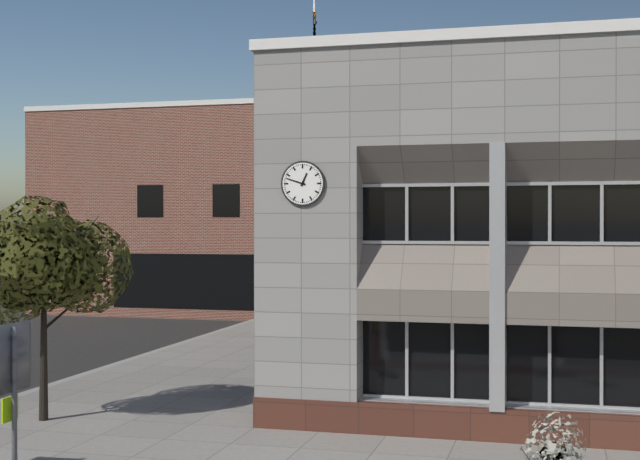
12.48
